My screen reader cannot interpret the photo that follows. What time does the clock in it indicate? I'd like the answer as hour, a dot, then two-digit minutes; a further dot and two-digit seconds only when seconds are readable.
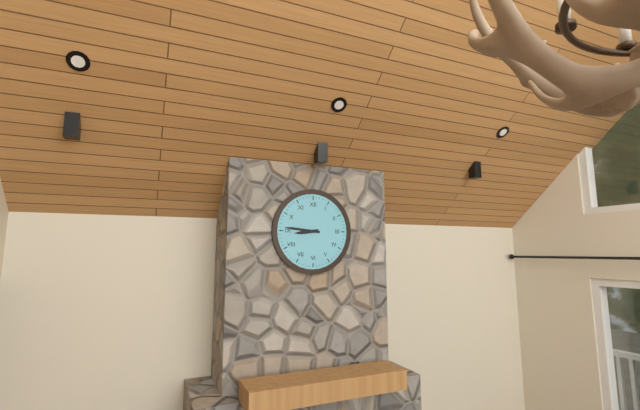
8.46
